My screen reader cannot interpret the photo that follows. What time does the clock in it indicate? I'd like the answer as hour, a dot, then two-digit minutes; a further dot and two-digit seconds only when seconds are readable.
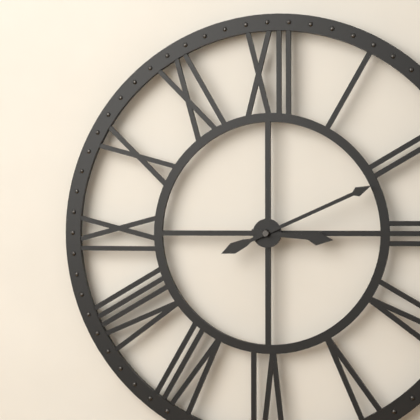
3.11
